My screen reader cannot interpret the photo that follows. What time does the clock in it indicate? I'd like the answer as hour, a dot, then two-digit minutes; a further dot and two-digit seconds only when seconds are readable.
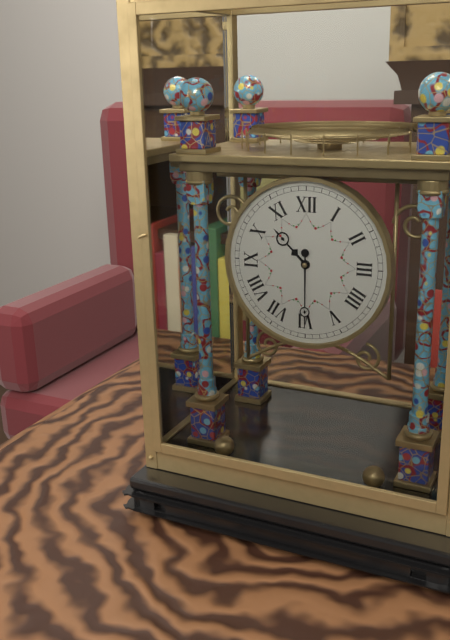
10.30
